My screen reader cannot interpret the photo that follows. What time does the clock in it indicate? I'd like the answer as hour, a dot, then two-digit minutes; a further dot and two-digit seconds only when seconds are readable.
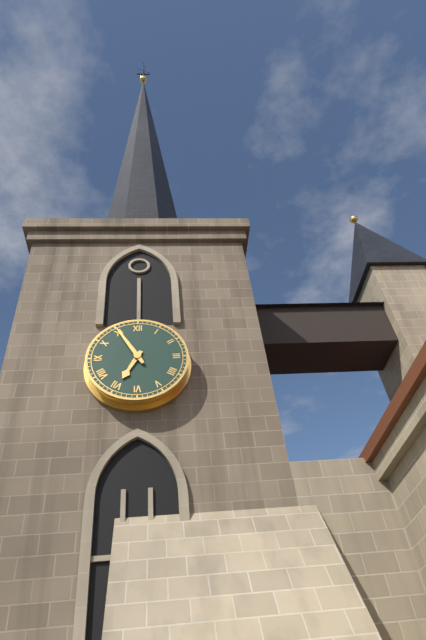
6.55
